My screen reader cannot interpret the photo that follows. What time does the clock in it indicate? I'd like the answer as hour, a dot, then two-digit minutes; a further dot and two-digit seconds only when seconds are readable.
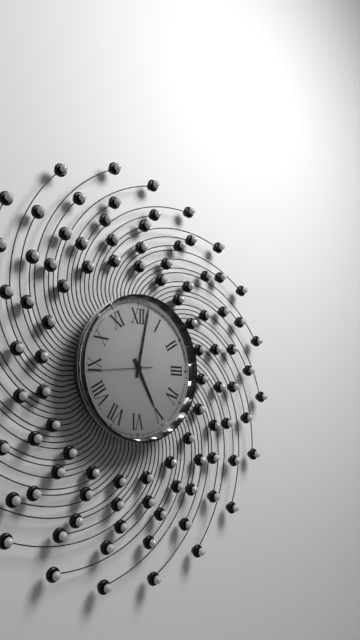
5.02.44
